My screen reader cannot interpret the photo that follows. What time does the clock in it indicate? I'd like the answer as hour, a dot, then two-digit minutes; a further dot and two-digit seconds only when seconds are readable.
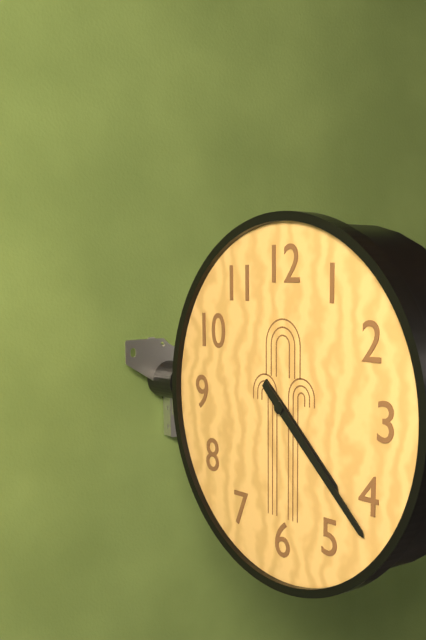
4.22
